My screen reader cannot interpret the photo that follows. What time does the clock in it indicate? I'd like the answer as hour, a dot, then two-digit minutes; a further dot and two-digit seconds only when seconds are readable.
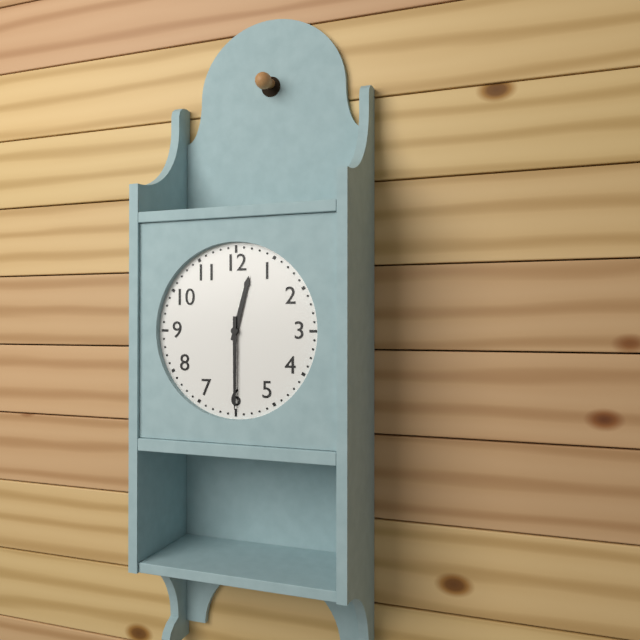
12.30
